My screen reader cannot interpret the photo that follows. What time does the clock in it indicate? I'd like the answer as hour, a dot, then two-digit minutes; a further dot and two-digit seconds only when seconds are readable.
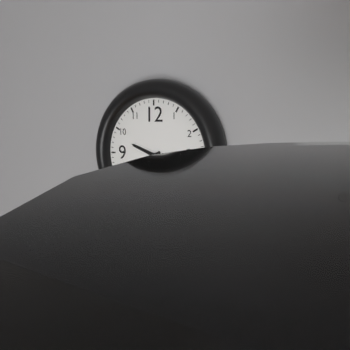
9.41
